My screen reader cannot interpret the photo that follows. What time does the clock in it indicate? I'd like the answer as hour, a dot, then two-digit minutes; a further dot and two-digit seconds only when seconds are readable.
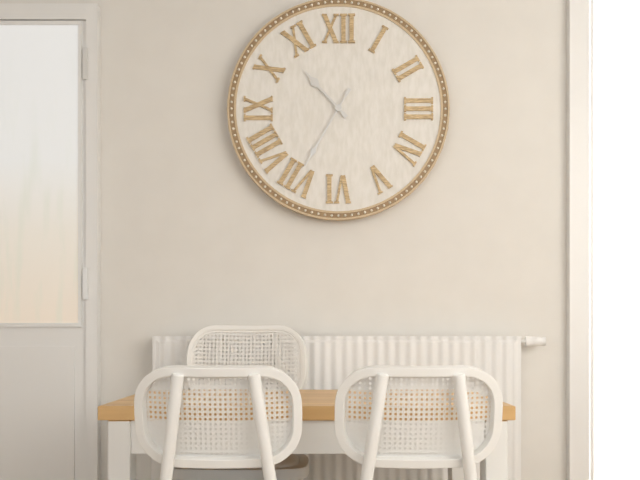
10.35
